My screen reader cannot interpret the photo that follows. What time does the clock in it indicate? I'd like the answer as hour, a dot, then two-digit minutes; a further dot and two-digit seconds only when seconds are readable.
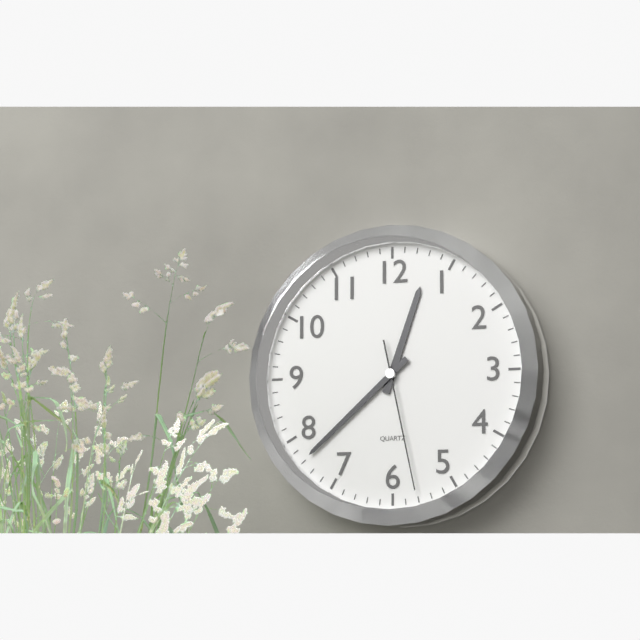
12.38.28
